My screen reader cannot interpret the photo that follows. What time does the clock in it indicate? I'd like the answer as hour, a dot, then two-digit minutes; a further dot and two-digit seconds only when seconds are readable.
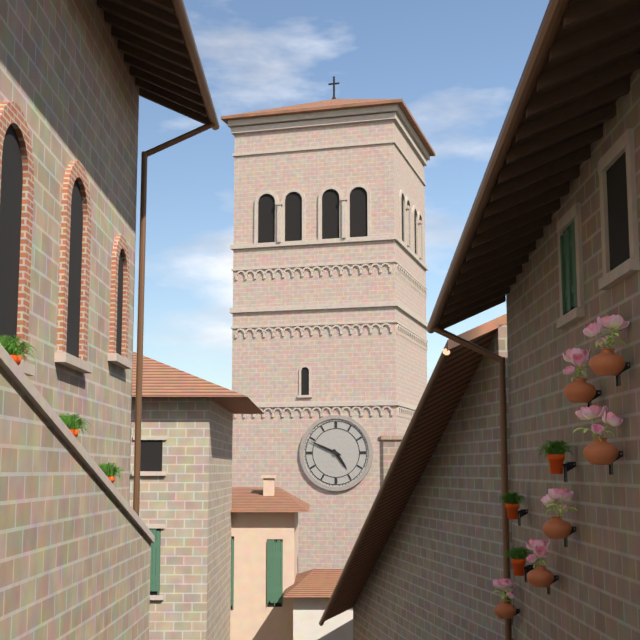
4.49
